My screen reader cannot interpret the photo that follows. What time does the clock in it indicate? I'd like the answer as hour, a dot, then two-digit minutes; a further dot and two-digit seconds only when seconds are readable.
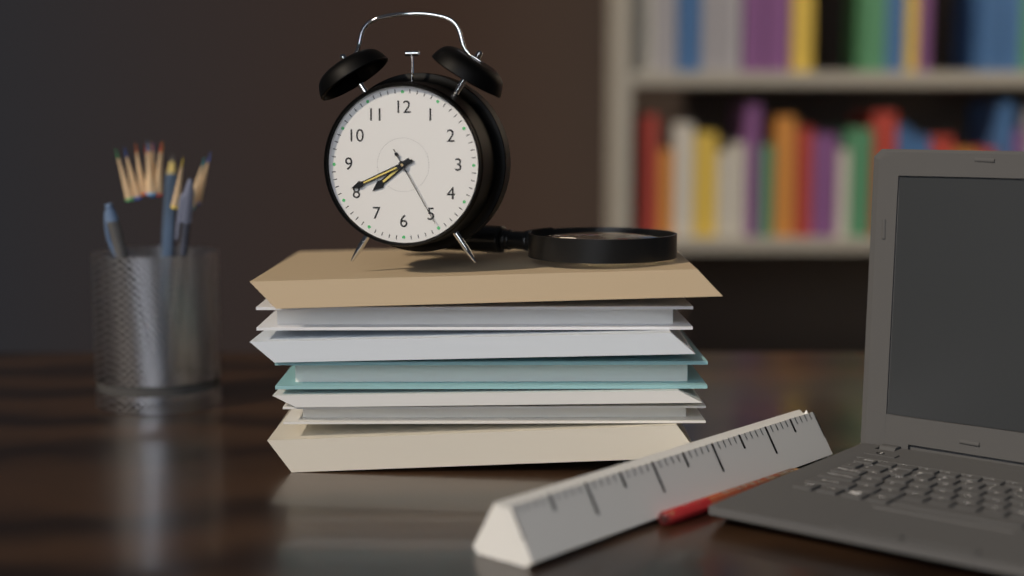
7.41.25
